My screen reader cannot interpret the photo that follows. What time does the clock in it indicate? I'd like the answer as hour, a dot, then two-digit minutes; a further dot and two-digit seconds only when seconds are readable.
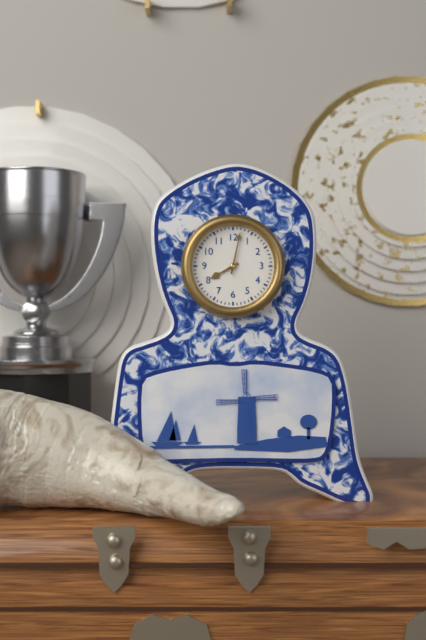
8.02
